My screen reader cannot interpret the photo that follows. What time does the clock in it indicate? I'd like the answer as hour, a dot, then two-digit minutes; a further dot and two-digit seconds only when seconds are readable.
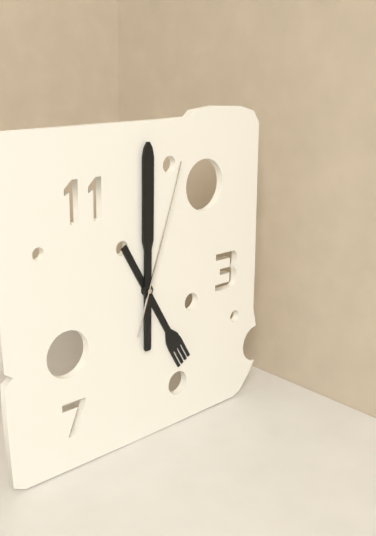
5.00.03
